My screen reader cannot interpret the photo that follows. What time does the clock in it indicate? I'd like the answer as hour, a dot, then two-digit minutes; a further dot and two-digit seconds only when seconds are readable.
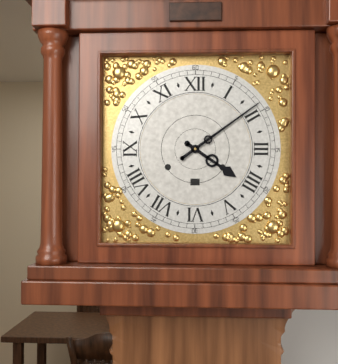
4.09
